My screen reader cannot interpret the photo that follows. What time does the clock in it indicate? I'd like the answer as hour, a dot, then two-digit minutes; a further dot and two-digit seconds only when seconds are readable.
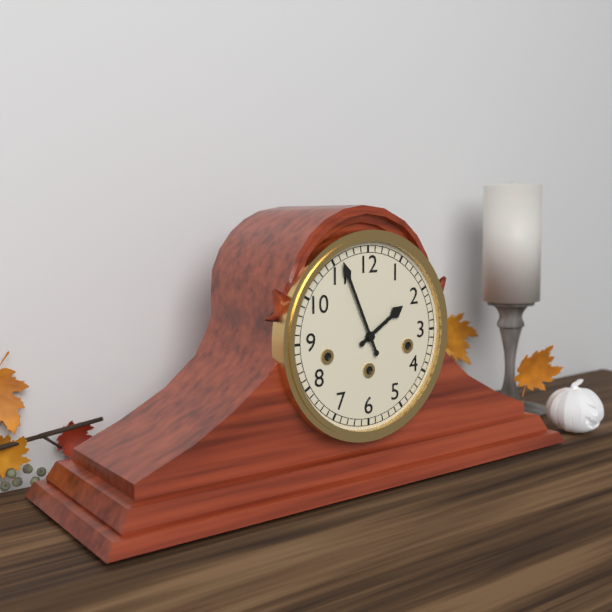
1.56
